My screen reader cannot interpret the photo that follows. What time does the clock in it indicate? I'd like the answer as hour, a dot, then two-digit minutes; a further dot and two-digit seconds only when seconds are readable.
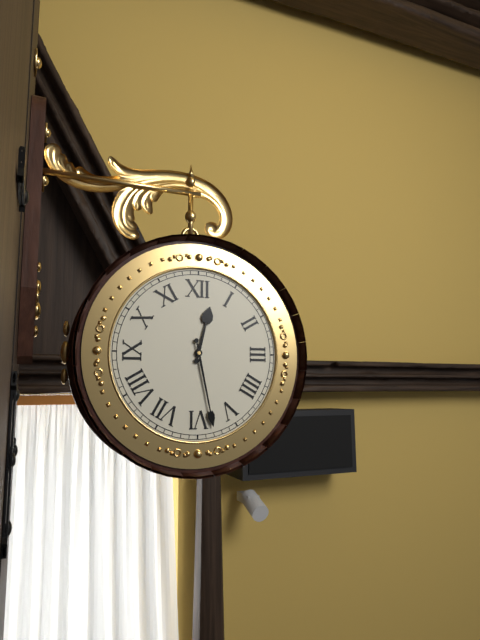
12.28
